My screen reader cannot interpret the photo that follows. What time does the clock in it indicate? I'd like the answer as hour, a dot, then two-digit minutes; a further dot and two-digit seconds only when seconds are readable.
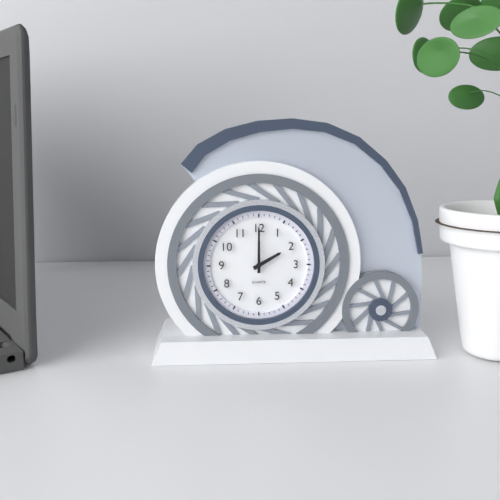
2.00
